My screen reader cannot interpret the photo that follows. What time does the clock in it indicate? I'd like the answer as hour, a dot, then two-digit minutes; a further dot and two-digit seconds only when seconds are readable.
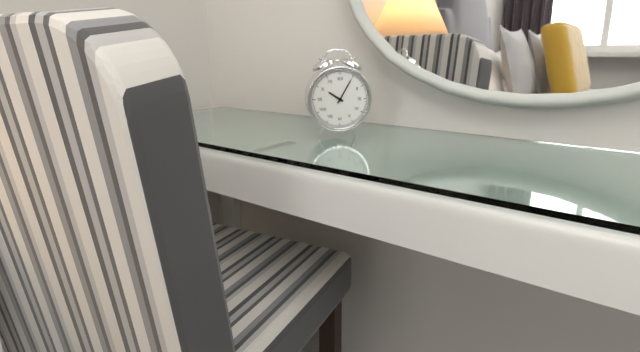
10.05
